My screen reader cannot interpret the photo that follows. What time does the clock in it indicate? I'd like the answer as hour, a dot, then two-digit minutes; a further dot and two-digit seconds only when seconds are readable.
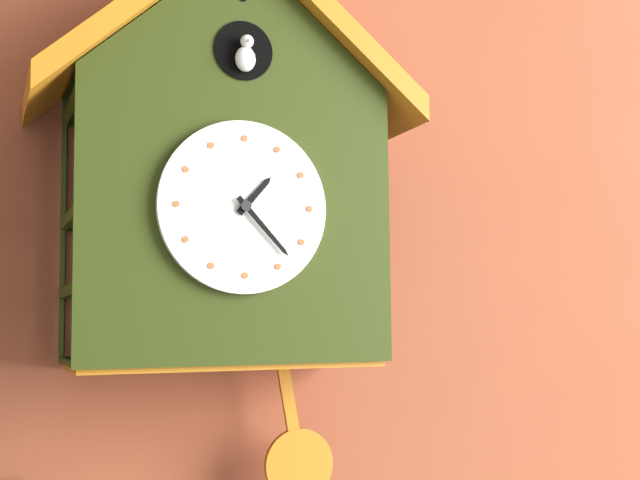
1.23
